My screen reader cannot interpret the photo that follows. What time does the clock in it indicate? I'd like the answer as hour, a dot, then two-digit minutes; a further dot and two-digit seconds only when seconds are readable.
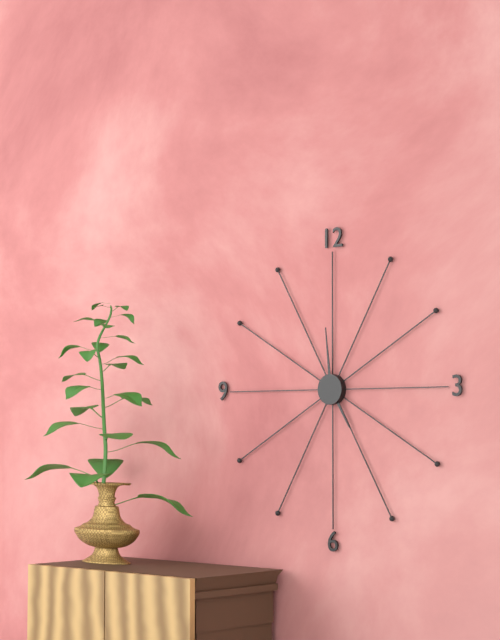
4.59
